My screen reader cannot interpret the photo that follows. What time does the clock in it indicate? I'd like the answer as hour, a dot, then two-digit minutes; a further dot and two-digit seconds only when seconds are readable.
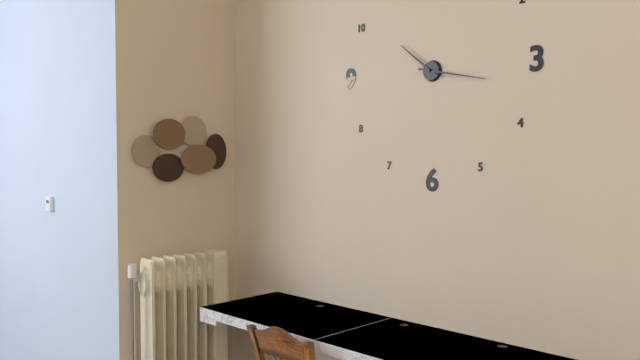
10.17
